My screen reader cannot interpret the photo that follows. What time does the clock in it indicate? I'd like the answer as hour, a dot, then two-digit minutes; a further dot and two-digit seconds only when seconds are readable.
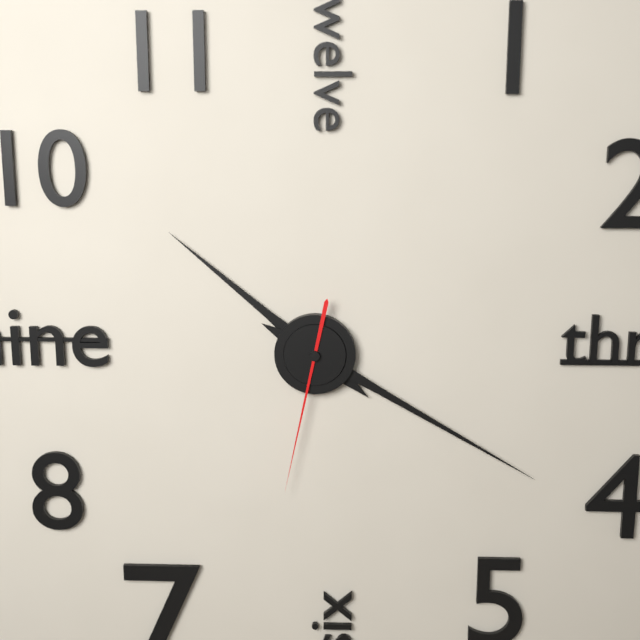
10.20.32
